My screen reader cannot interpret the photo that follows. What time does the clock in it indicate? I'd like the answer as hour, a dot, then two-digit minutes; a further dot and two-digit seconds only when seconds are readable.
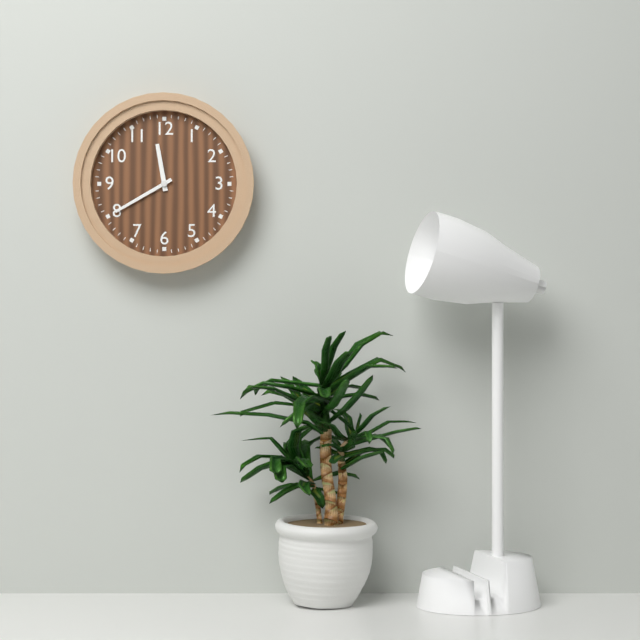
11.40
